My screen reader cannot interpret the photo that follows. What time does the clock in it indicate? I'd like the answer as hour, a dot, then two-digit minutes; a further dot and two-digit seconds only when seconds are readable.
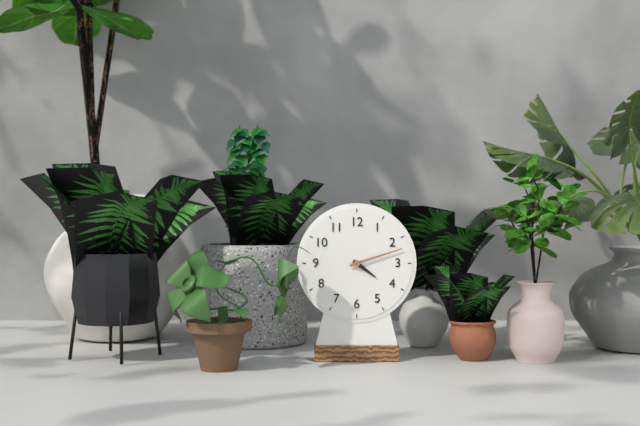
4.12
